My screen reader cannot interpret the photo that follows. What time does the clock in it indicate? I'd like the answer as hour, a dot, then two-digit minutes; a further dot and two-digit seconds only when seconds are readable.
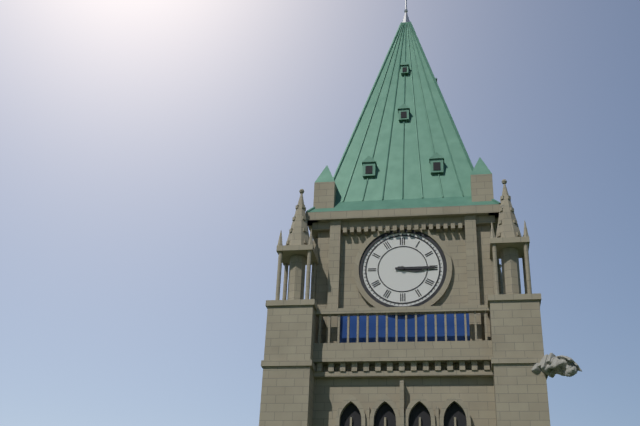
3.15
